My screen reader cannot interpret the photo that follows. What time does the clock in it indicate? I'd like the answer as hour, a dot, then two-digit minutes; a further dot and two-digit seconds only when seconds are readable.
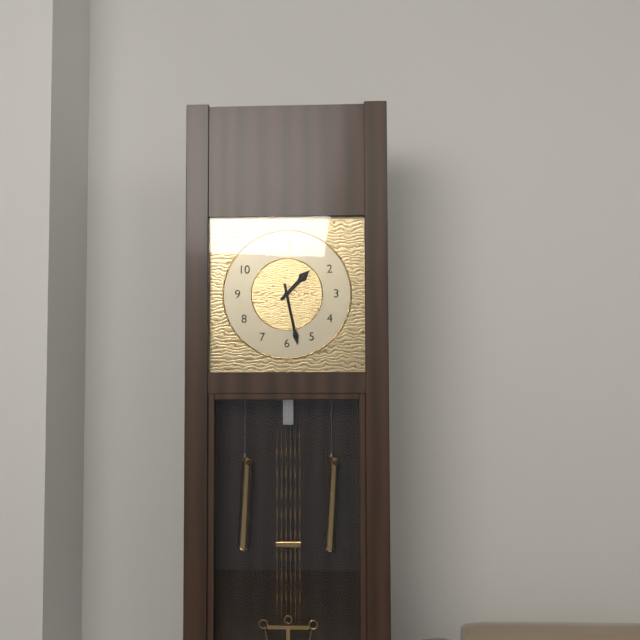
1.28
